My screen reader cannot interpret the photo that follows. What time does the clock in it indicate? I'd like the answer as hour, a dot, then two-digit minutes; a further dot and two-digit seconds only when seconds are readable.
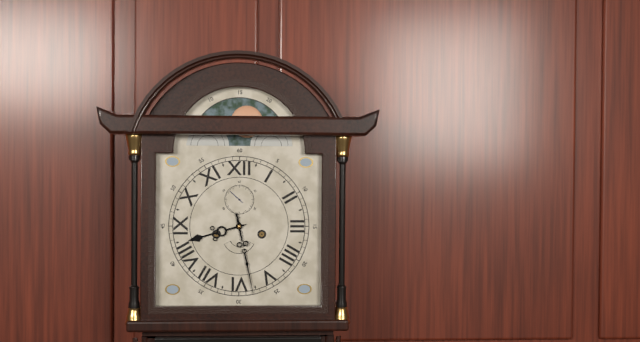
8.28
